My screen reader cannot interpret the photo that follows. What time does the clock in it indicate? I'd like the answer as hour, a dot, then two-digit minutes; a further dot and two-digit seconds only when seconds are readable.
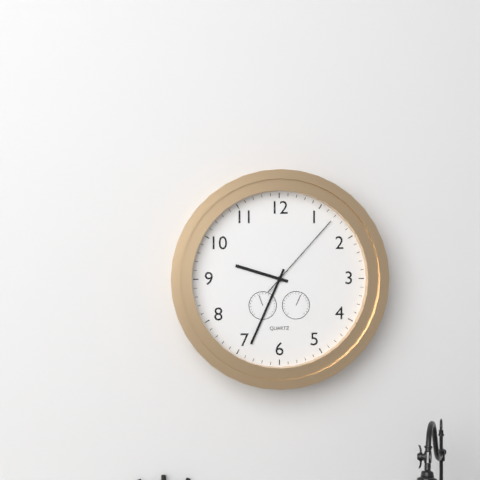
9.34.07
